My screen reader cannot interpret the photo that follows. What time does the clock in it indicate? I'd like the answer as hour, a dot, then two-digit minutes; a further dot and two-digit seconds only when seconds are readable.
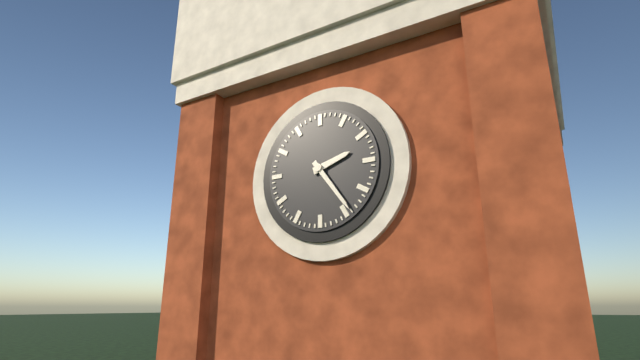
2.24
